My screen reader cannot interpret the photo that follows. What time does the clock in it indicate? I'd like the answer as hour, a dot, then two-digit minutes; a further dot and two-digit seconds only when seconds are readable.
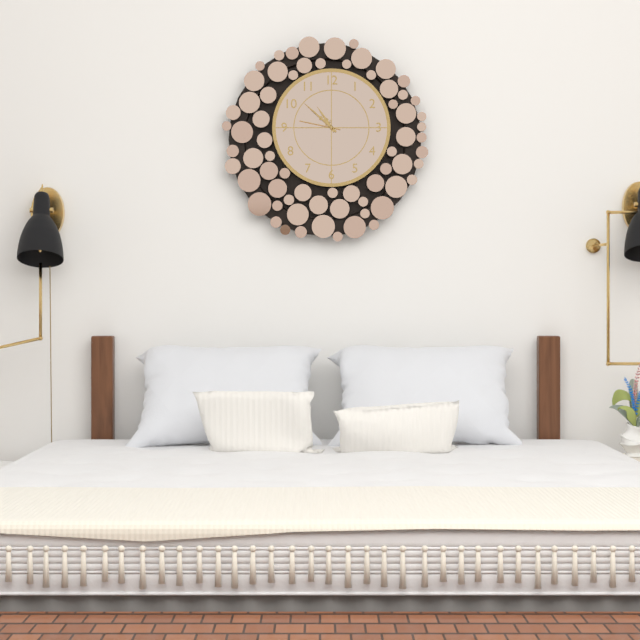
10.52
